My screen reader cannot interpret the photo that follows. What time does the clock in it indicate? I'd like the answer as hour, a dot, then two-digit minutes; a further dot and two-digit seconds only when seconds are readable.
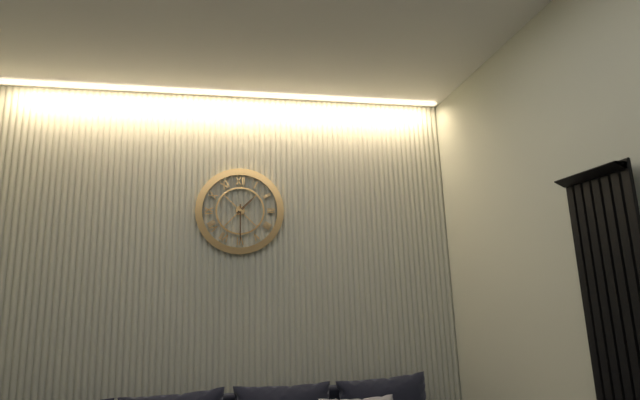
1.30
